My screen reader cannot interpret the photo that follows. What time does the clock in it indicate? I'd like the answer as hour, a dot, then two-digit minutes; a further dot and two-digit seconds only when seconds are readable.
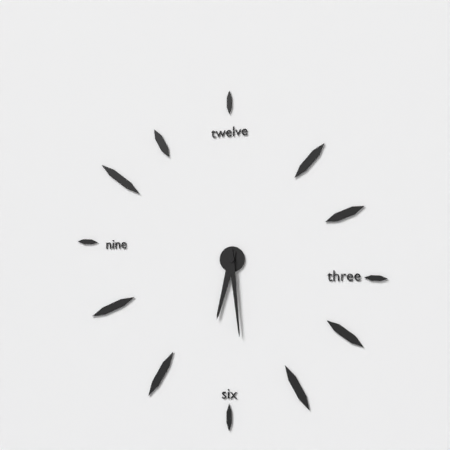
6.29
